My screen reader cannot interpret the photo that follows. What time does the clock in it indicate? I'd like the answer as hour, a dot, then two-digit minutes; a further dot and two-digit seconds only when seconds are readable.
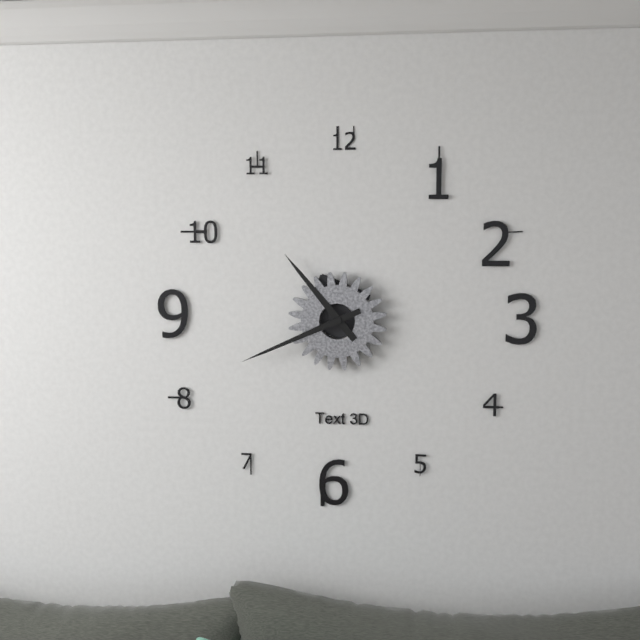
10.41
